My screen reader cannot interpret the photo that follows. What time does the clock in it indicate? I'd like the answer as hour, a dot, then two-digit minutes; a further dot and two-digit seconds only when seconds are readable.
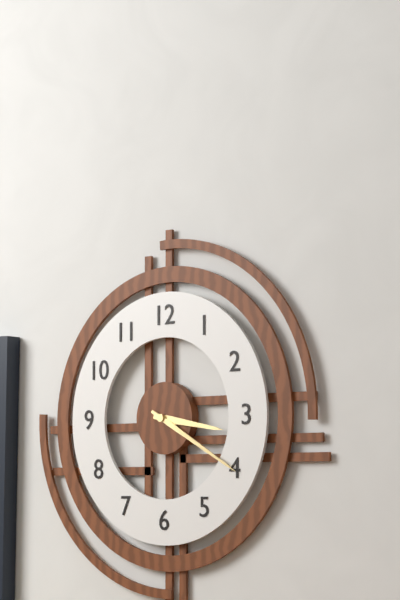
3.20
